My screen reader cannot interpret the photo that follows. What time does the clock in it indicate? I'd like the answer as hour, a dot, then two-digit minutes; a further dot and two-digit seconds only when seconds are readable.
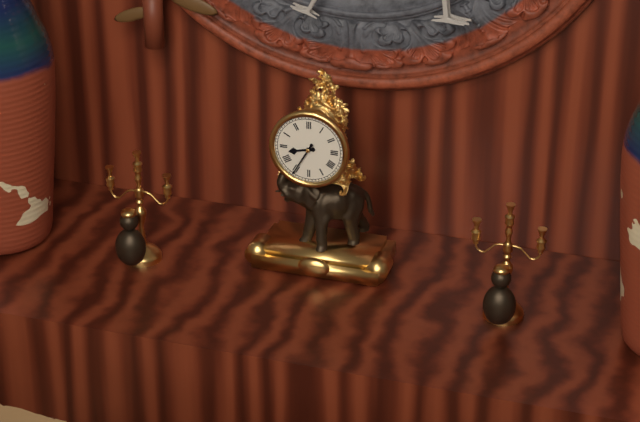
8.35
